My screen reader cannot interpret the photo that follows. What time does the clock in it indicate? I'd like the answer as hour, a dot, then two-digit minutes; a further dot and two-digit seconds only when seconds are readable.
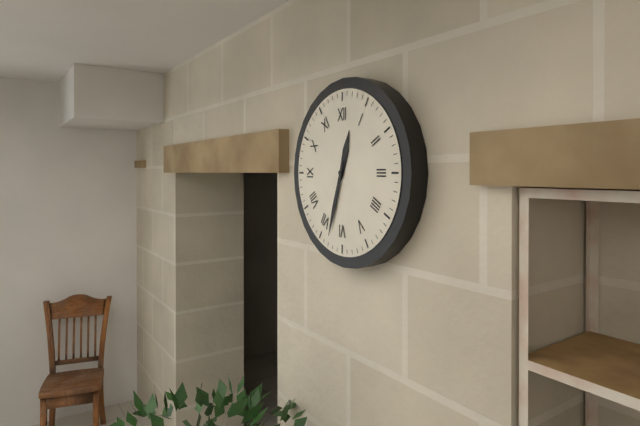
12.33
